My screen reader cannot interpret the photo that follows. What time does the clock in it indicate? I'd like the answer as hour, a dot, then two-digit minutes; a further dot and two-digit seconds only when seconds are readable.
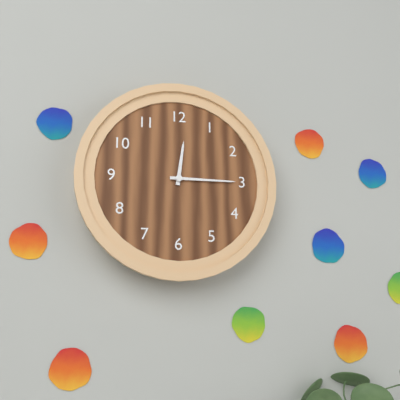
12.15
